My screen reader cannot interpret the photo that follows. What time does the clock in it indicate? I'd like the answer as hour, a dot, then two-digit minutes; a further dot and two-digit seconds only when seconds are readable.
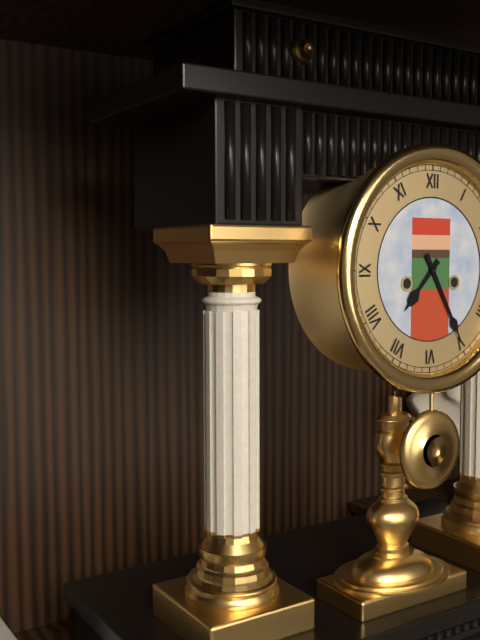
7.25
